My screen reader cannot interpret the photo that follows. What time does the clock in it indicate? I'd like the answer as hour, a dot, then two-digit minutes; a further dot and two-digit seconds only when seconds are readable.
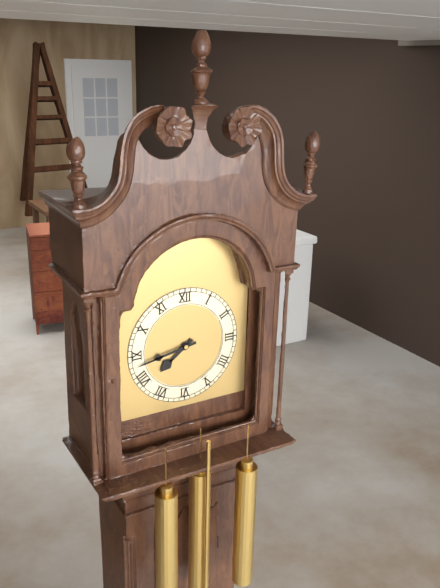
7.43
